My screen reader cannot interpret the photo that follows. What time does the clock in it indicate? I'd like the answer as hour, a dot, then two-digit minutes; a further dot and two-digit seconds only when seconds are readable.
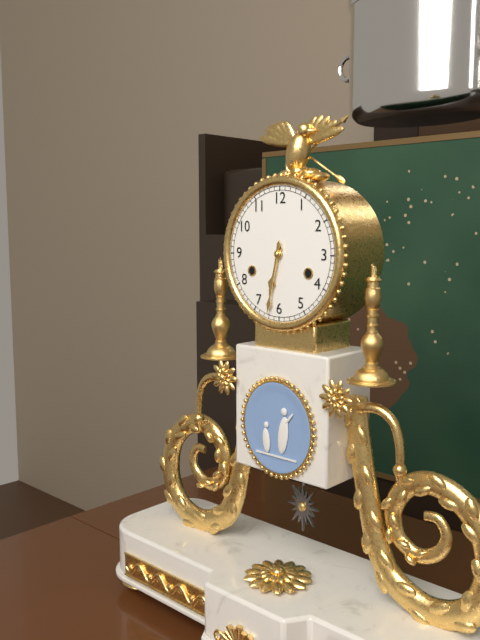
6.32
